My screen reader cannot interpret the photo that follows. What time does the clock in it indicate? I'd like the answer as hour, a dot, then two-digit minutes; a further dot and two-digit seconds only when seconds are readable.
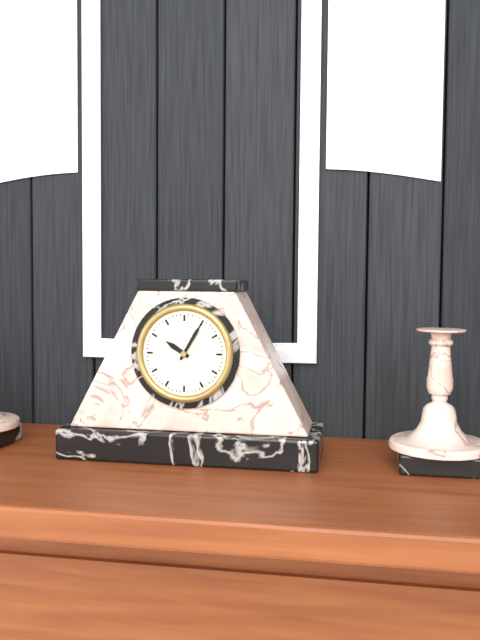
10.05
